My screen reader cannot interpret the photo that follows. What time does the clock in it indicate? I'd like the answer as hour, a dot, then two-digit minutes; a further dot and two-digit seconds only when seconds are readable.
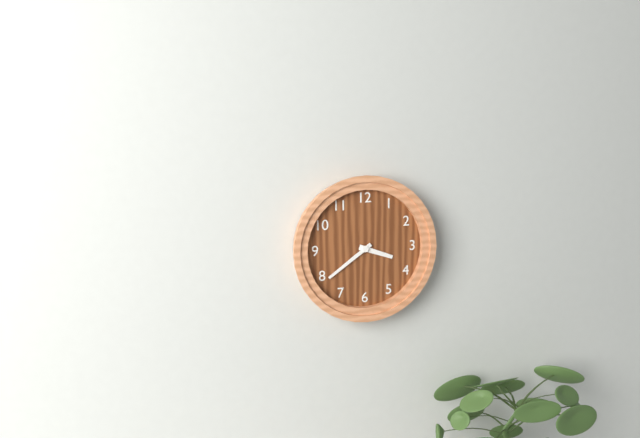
3.39
